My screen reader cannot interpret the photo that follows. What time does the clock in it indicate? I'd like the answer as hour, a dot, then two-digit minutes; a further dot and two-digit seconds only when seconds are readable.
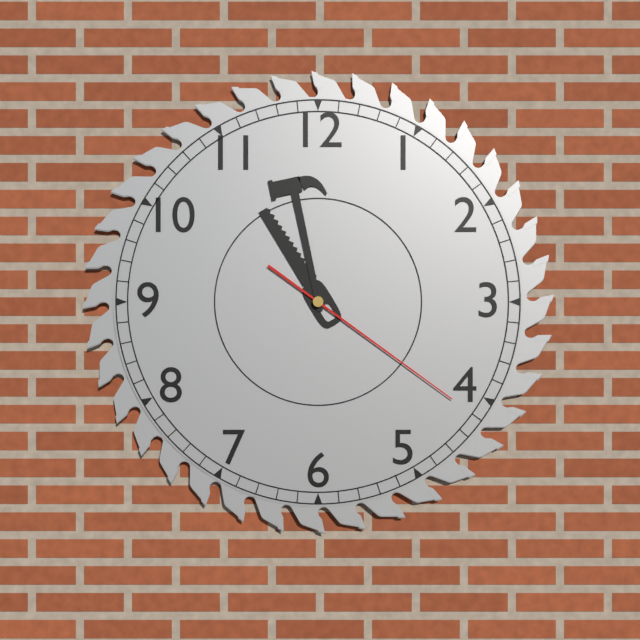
10.58.21
